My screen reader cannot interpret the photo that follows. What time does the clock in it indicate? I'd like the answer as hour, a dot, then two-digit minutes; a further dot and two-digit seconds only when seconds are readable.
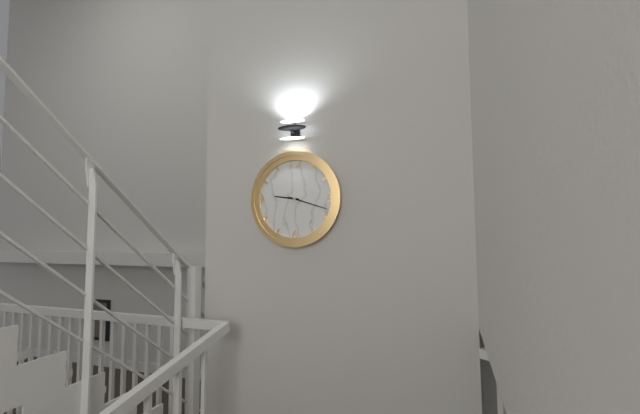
9.18
